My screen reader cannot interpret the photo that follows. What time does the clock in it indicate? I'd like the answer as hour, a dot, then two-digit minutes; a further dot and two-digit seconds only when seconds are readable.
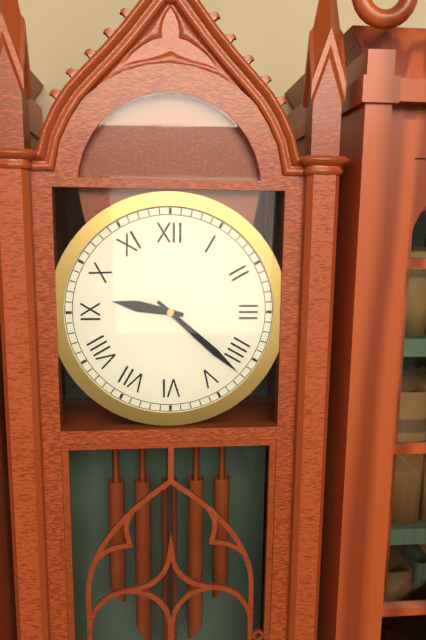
9.22
